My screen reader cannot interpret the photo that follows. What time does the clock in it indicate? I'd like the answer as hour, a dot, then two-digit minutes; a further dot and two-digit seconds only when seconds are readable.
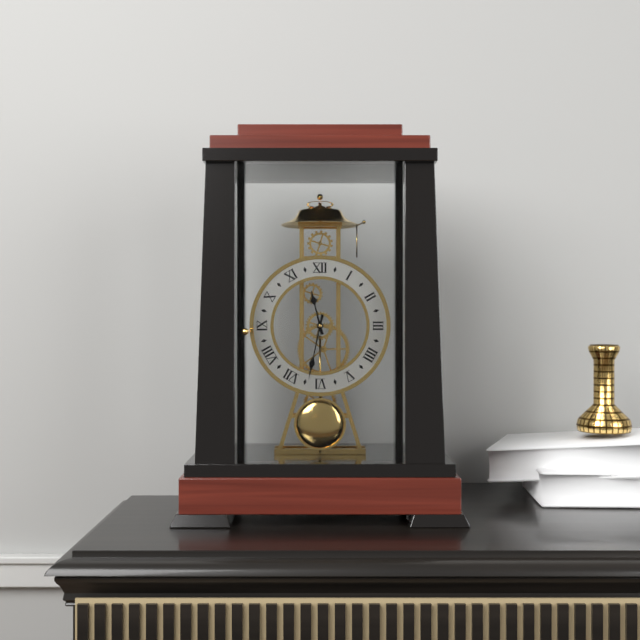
11.32
